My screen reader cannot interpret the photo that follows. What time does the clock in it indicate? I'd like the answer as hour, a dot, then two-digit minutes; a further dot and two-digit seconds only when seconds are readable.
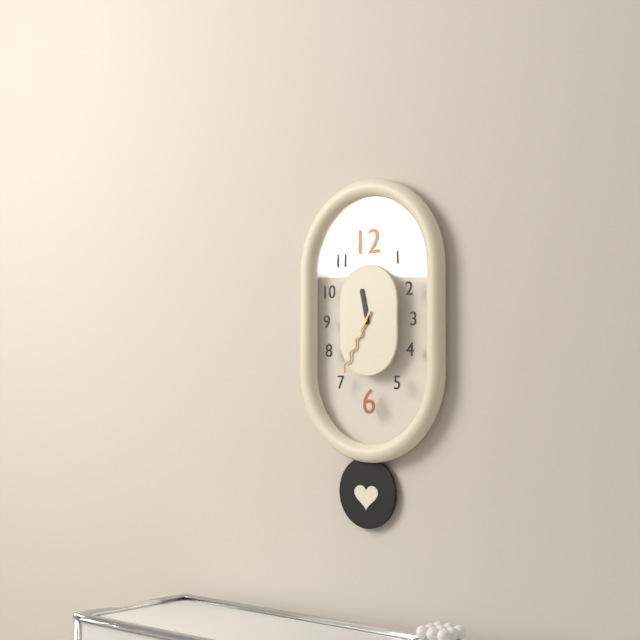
11.35
